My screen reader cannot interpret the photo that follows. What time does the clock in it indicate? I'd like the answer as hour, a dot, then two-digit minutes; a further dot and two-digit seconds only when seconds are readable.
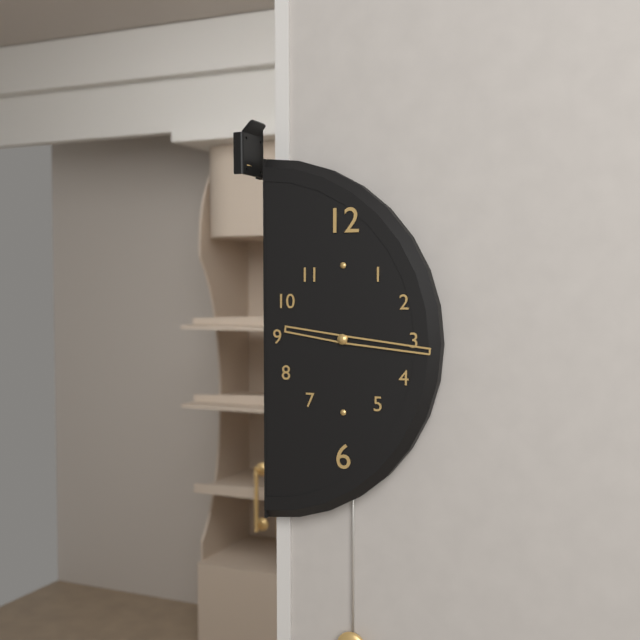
9.16
